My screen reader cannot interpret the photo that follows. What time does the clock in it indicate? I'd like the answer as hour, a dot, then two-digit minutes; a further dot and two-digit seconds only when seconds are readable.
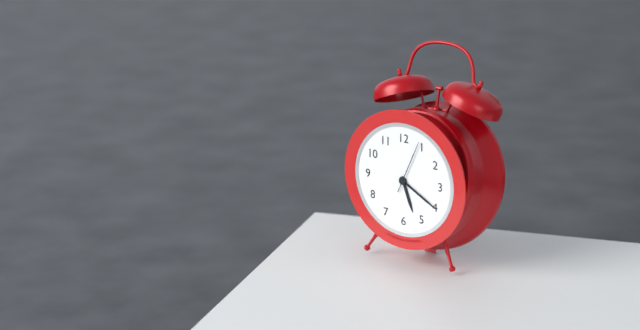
5.20.04
